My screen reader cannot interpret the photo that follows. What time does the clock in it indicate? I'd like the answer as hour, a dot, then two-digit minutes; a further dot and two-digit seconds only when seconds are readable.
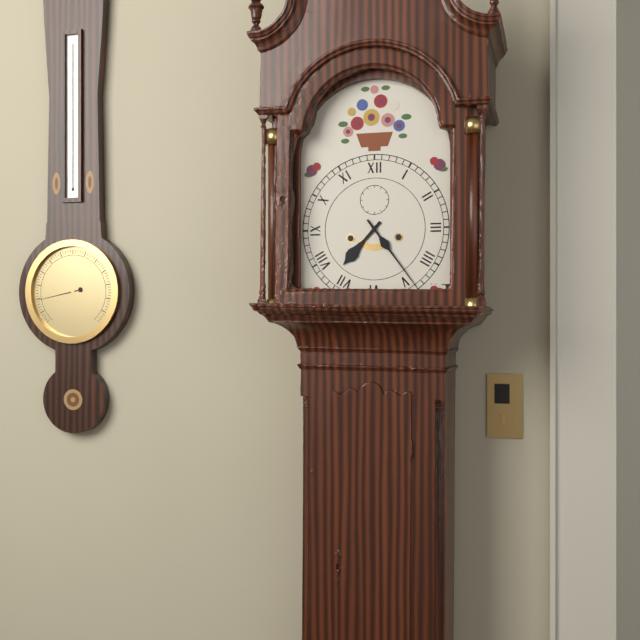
7.24
